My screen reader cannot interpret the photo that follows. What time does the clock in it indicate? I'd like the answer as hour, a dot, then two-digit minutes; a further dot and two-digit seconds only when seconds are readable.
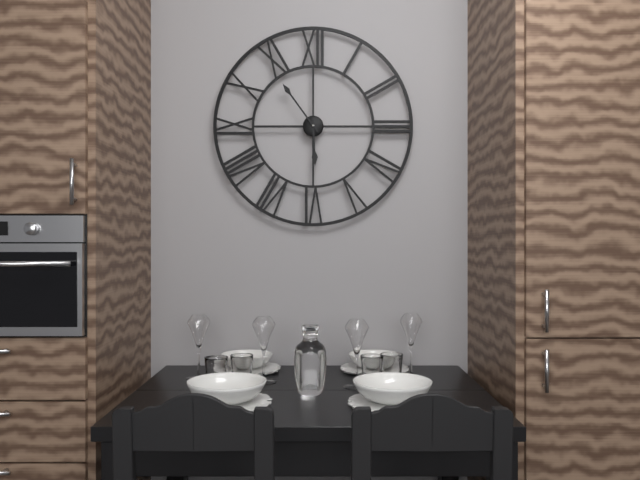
5.54
